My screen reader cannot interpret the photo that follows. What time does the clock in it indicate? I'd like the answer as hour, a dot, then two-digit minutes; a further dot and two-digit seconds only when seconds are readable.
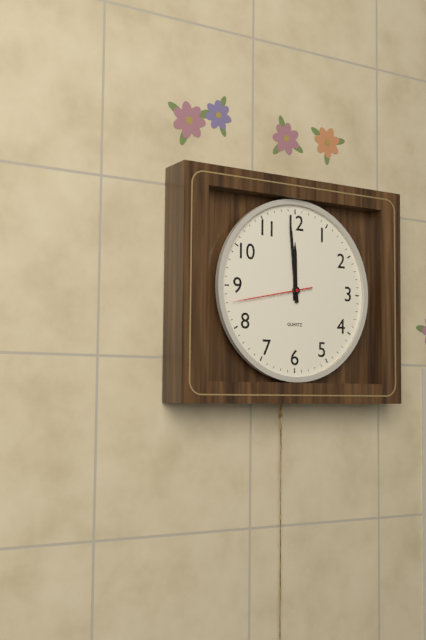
11.59.43
